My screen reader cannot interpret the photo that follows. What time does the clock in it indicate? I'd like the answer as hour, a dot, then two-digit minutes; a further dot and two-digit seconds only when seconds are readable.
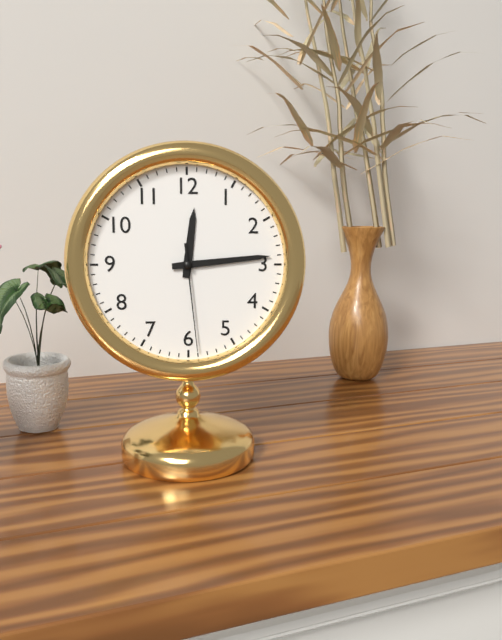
12.14.29
